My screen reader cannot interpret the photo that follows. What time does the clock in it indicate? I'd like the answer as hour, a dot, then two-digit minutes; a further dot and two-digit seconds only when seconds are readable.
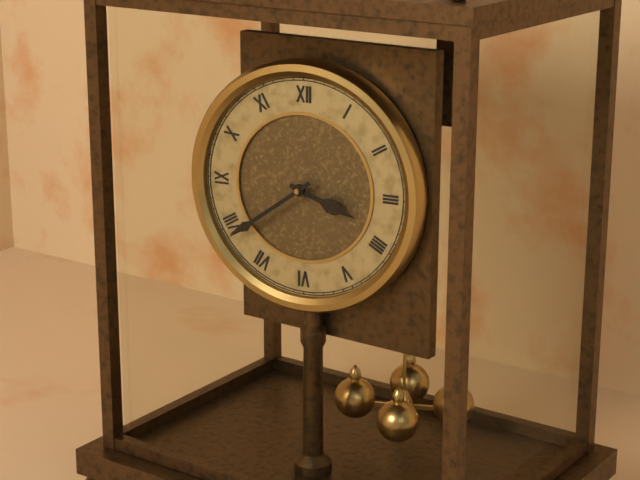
3.39
